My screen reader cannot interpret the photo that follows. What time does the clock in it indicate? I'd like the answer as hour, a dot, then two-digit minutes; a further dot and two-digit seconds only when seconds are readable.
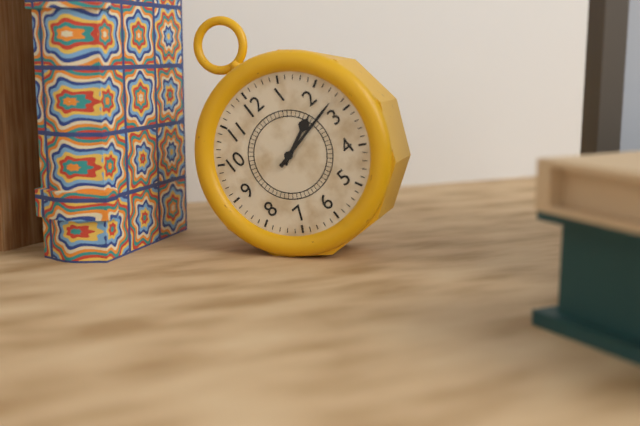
2.13
